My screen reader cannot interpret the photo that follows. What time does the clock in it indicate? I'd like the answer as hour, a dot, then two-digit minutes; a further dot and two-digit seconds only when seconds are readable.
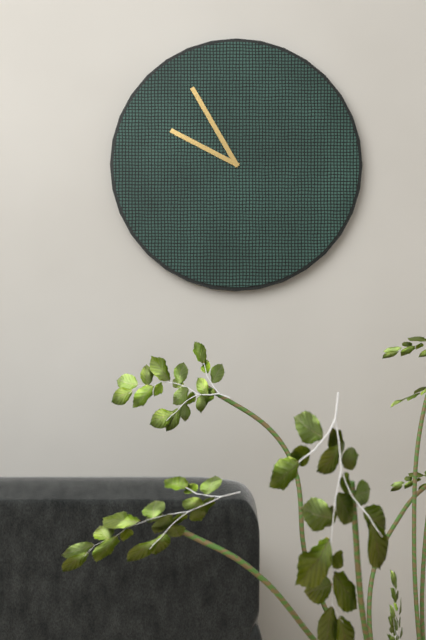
9.55
